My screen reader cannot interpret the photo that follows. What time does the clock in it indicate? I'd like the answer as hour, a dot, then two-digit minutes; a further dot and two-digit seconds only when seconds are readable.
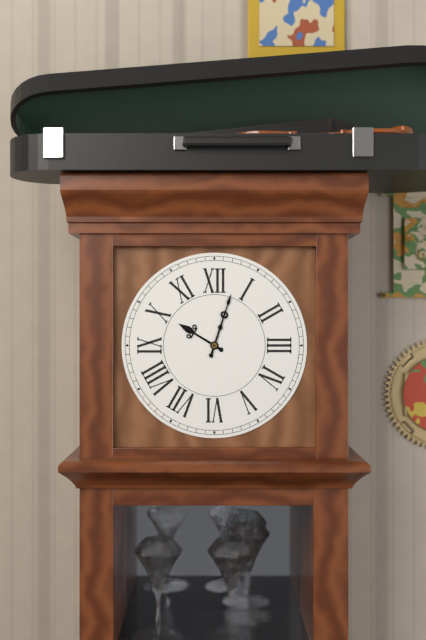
10.03
